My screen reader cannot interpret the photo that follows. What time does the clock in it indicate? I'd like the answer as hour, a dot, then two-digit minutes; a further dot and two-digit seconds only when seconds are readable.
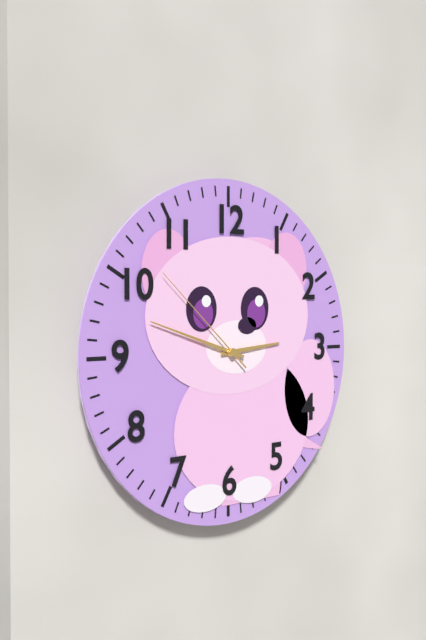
2.48.52
